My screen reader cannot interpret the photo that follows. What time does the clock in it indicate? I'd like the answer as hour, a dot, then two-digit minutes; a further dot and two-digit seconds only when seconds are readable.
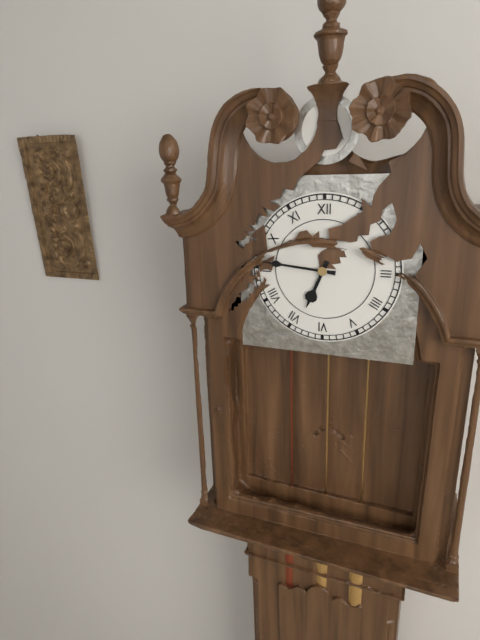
6.46
